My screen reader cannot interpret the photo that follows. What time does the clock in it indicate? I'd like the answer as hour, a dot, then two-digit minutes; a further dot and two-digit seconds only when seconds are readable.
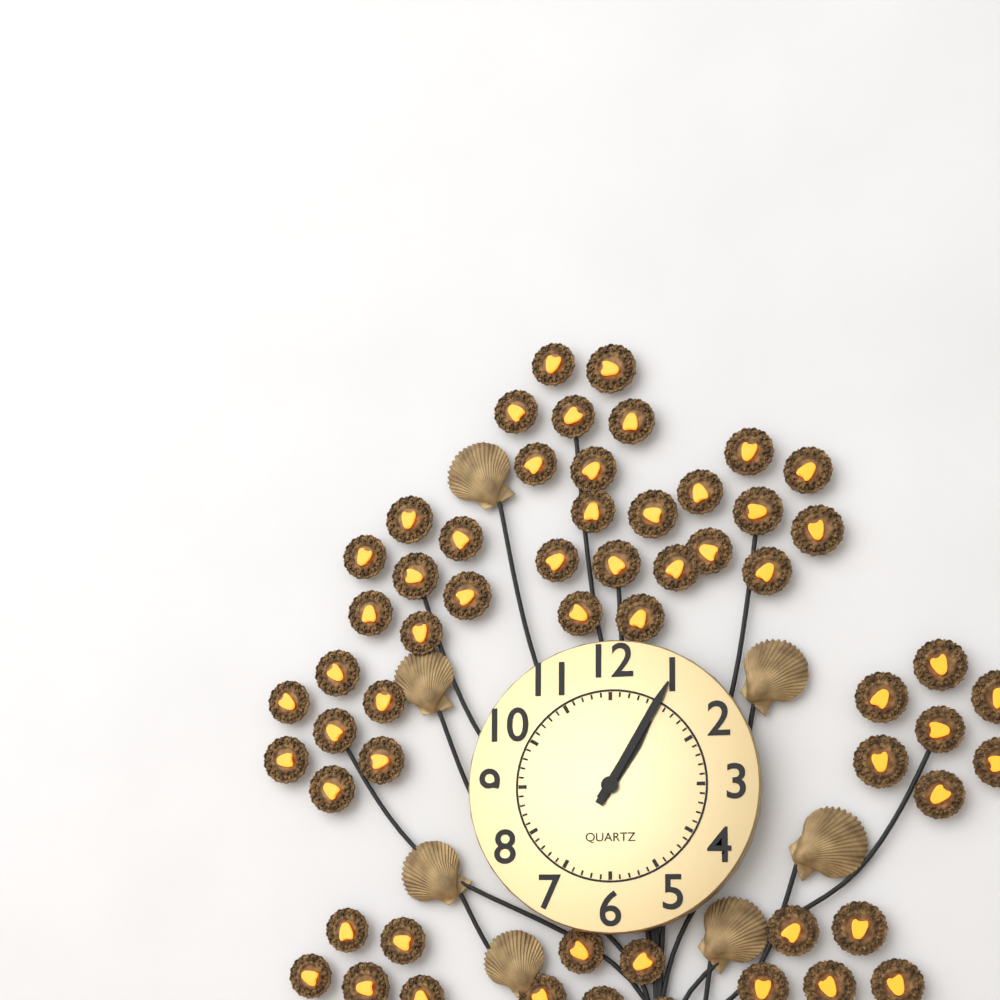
1.05
